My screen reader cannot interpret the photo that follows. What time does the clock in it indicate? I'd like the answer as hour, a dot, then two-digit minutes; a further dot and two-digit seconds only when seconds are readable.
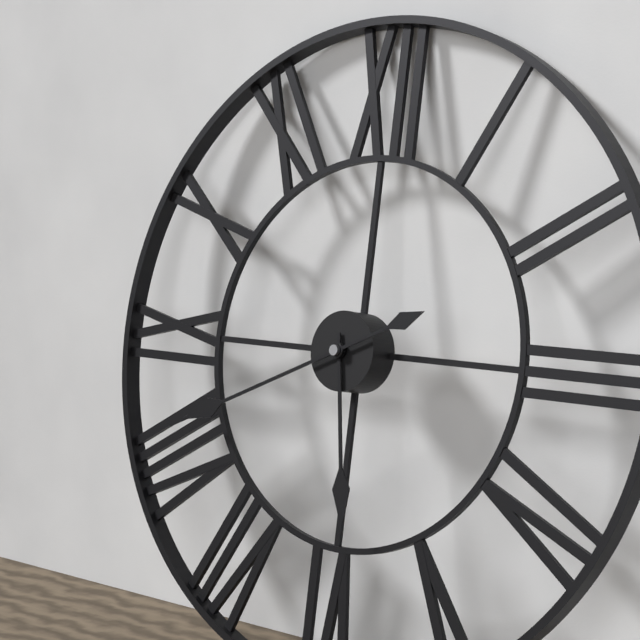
5.41
